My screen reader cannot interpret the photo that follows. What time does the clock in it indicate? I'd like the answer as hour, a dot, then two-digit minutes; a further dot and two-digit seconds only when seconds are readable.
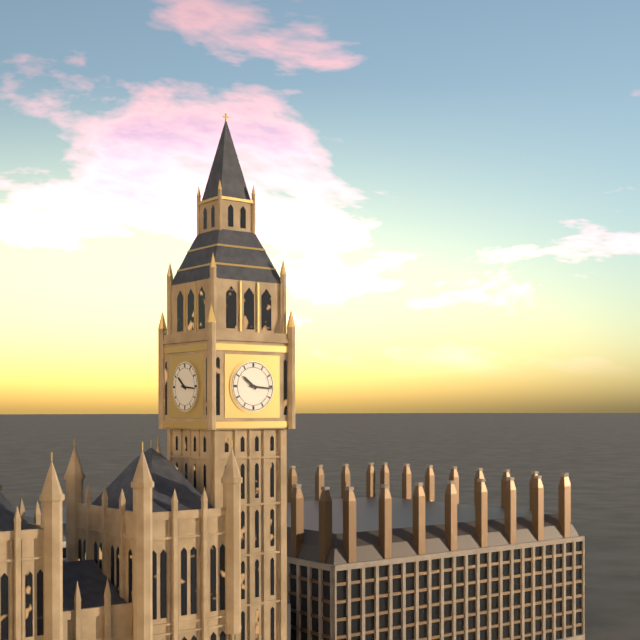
10.16
